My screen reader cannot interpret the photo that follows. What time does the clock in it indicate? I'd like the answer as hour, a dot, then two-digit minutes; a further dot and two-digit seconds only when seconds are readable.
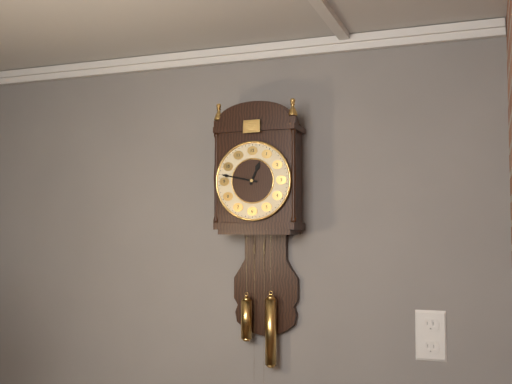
12.47
